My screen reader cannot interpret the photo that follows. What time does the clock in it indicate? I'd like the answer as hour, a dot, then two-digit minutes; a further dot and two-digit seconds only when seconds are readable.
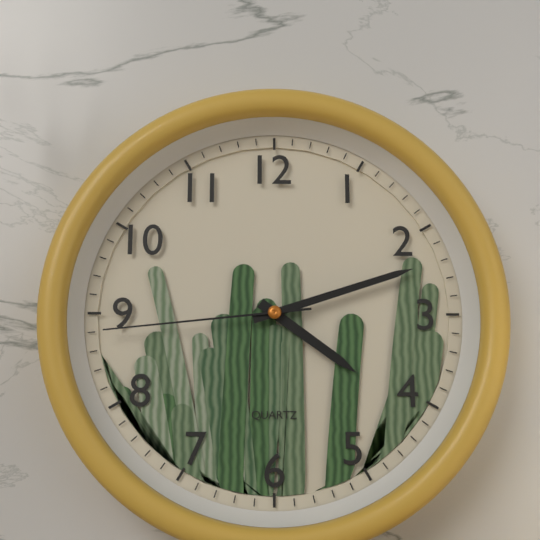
4.12.44
